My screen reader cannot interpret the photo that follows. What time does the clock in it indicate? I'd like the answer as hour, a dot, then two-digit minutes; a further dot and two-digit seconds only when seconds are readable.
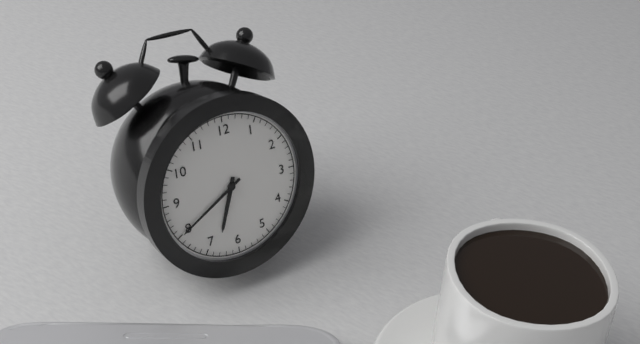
6.40
